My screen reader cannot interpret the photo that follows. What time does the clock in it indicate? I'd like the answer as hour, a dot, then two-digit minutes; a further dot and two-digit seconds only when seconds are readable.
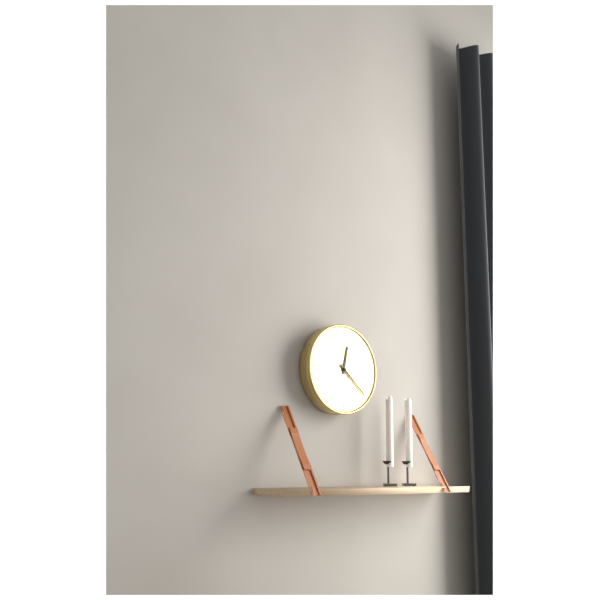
12.22
